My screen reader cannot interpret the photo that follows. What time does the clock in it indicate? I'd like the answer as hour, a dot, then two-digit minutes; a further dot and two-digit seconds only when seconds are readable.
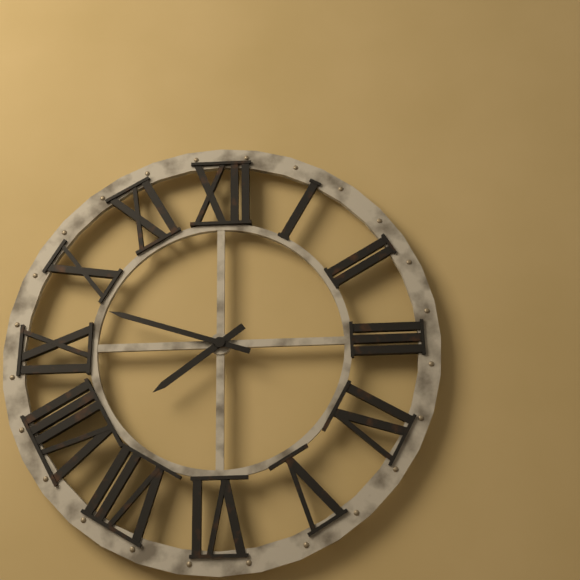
7.48
